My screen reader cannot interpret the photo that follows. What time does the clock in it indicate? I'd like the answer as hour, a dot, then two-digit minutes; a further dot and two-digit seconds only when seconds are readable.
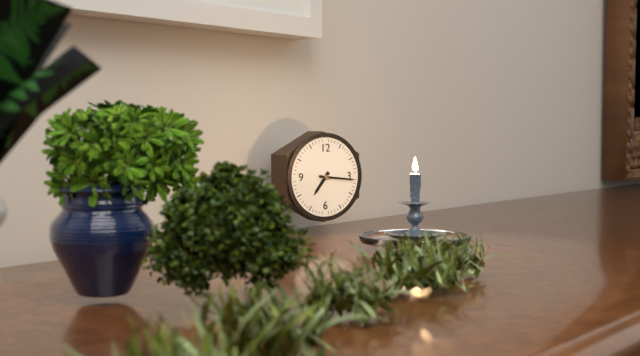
7.16
